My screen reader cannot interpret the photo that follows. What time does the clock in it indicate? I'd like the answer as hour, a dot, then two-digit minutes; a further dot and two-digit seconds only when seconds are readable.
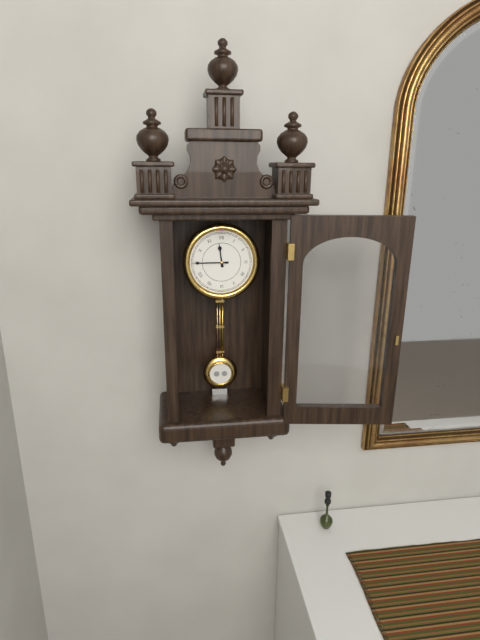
11.45
